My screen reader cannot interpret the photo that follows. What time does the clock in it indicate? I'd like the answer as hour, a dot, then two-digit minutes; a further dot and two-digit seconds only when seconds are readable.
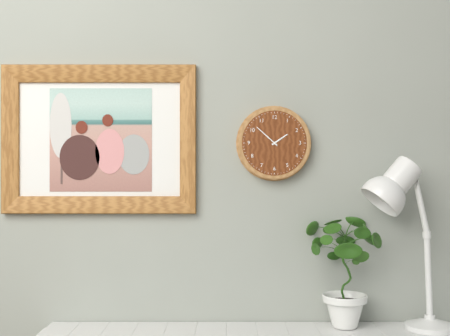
1.52
